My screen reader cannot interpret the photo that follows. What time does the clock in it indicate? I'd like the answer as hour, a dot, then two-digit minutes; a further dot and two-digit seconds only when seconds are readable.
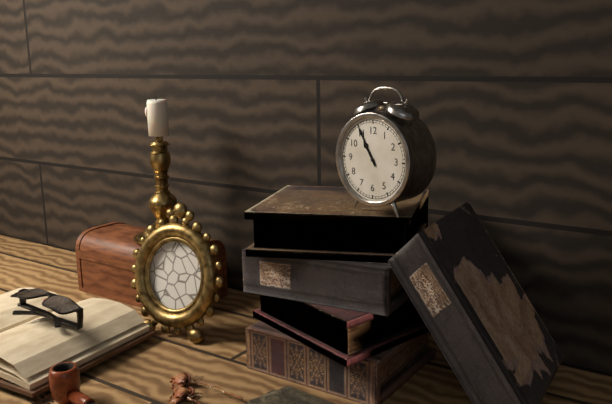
10.55
